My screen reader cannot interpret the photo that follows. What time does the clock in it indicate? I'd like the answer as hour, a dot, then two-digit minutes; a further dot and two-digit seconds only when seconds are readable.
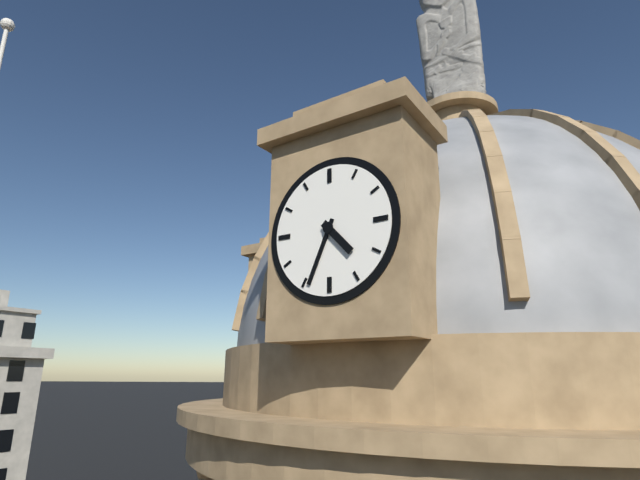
4.34
